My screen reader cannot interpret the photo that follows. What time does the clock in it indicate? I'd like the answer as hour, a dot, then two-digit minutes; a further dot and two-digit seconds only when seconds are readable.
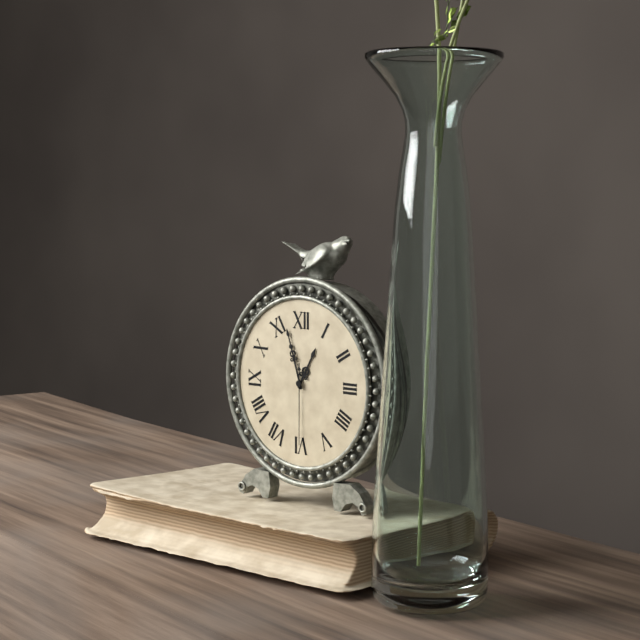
12.57.30
